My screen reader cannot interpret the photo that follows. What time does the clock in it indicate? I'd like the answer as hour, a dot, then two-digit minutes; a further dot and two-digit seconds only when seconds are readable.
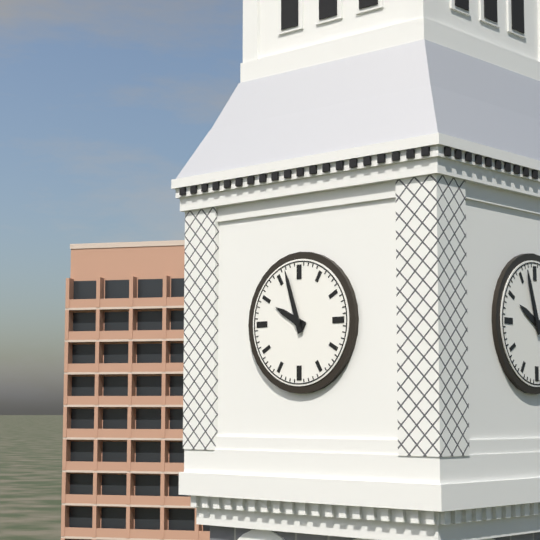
9.57
